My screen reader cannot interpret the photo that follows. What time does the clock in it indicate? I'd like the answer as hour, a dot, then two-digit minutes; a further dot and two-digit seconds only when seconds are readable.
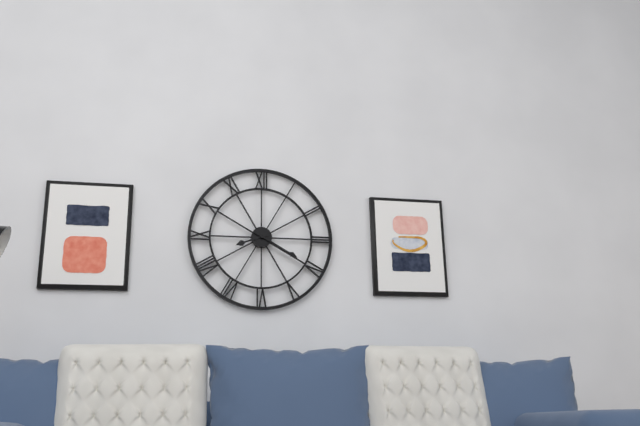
8.20
